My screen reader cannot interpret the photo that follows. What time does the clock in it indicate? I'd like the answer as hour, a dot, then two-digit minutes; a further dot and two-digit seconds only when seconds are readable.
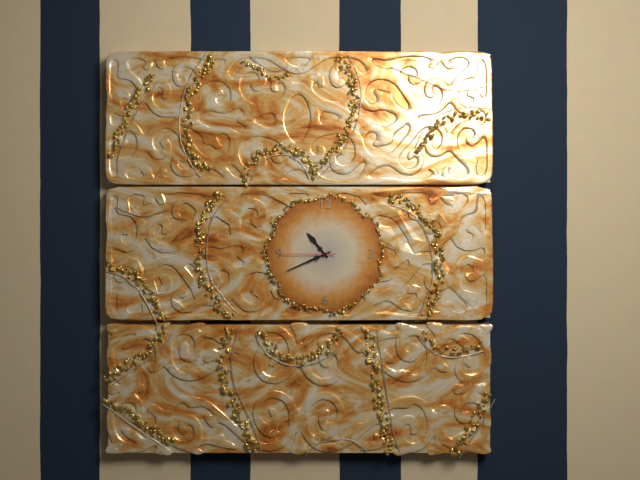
10.41.45
